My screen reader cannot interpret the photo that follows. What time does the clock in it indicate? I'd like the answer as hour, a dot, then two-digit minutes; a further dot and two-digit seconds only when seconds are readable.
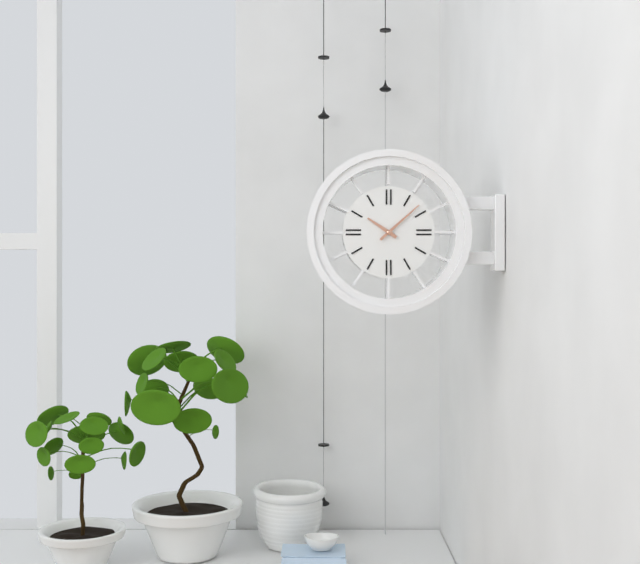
10.08
